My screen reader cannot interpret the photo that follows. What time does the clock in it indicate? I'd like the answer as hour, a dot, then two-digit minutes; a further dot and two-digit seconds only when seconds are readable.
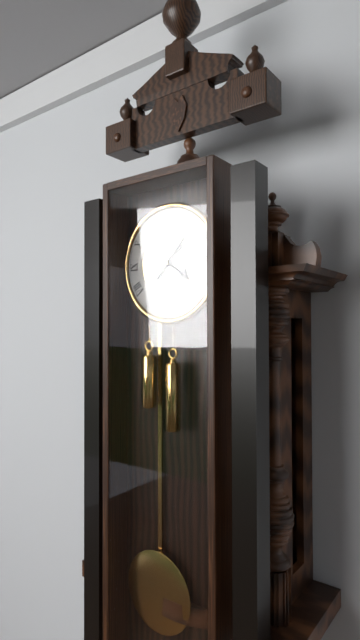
4.07
